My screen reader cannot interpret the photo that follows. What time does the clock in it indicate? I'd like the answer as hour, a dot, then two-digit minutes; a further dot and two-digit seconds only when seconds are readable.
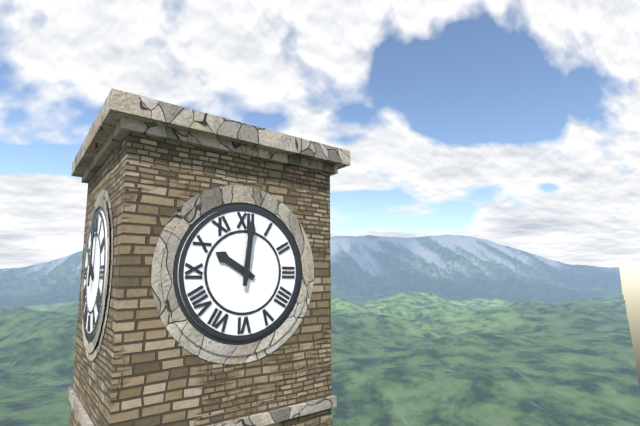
10.01
